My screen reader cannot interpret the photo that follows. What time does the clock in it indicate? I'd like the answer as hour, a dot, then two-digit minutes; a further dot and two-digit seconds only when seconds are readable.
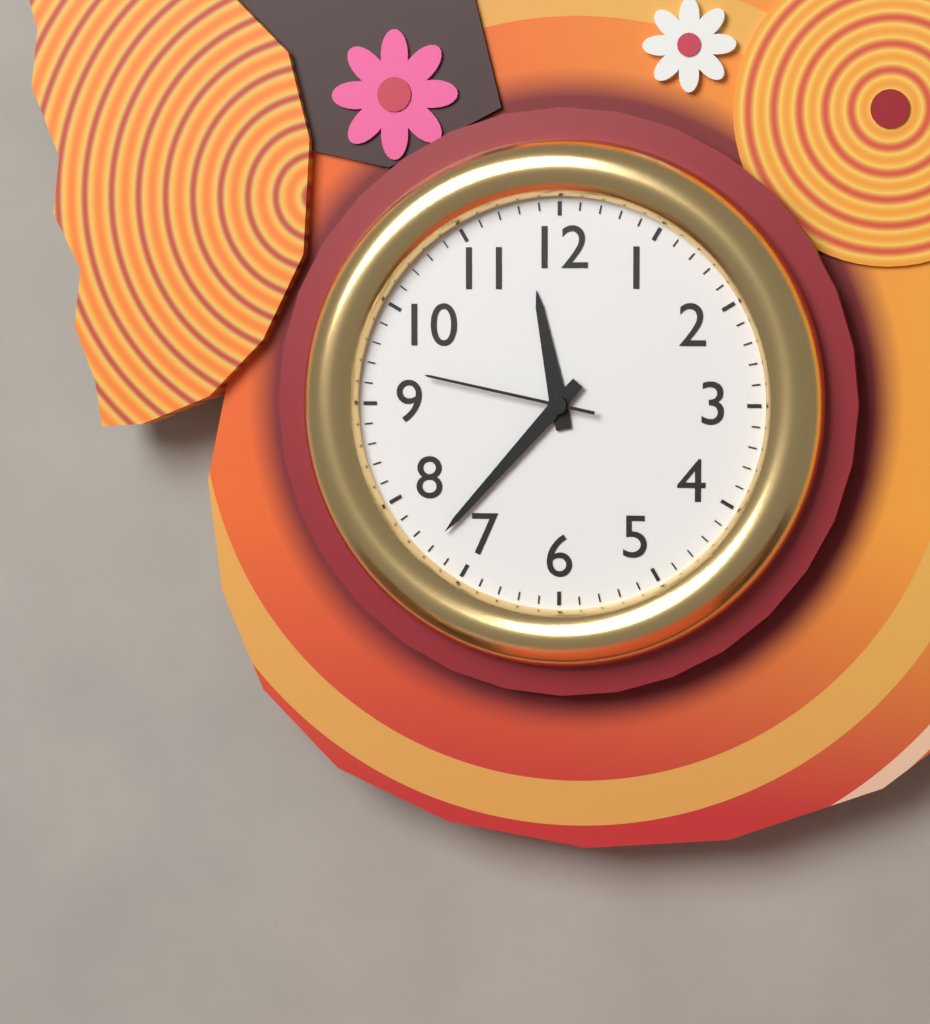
11.37.47
